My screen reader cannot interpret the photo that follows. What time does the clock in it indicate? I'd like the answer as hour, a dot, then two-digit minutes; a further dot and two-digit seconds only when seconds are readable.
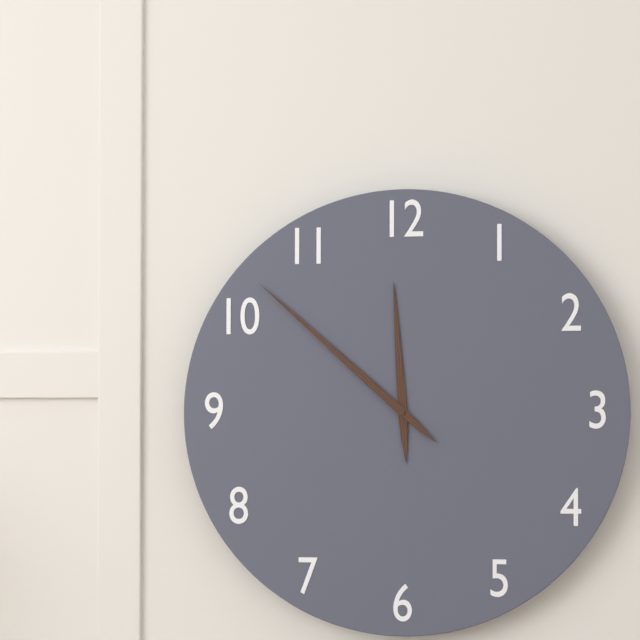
11.52
